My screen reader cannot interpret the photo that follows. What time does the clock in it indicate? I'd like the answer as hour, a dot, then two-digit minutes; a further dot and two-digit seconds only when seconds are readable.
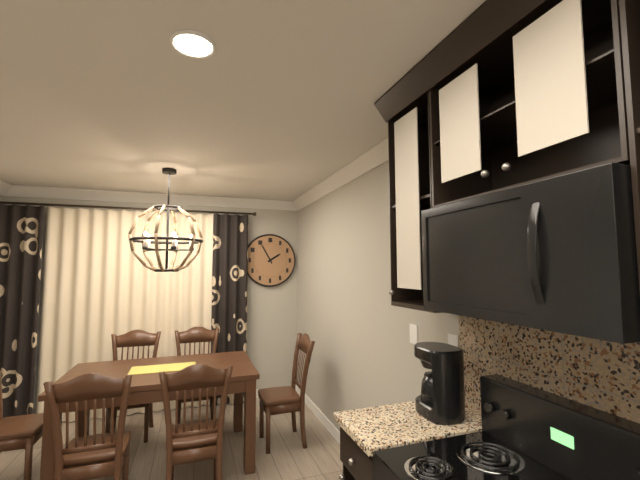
1.55
